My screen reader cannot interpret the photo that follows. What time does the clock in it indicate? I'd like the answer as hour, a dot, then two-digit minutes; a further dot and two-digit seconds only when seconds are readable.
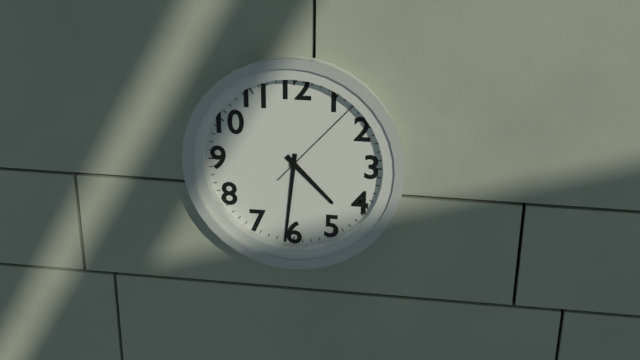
4.31.07
